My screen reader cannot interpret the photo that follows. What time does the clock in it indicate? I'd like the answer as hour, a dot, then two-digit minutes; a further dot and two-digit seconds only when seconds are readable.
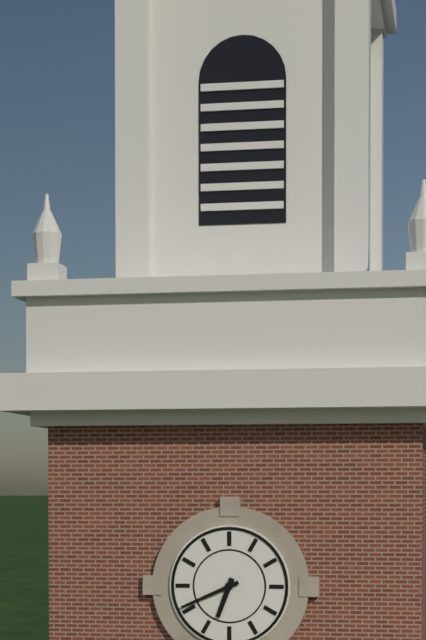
6.41
